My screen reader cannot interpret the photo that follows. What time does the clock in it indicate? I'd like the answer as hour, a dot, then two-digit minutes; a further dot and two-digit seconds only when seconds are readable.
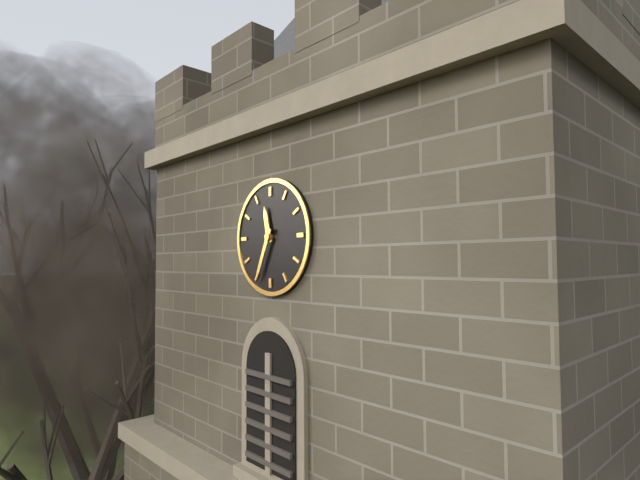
11.34
